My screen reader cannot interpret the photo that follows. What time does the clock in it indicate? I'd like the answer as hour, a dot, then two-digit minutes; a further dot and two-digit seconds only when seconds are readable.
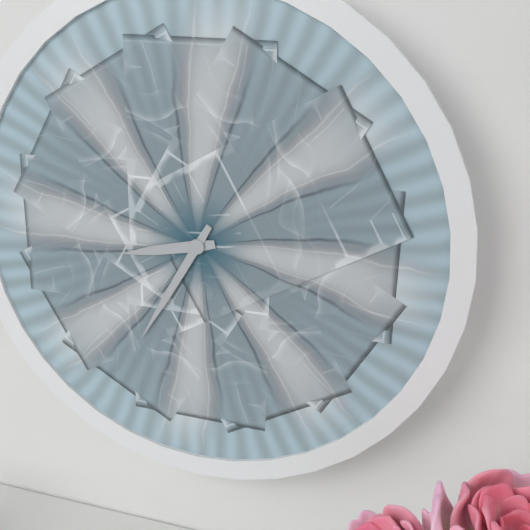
8.35
